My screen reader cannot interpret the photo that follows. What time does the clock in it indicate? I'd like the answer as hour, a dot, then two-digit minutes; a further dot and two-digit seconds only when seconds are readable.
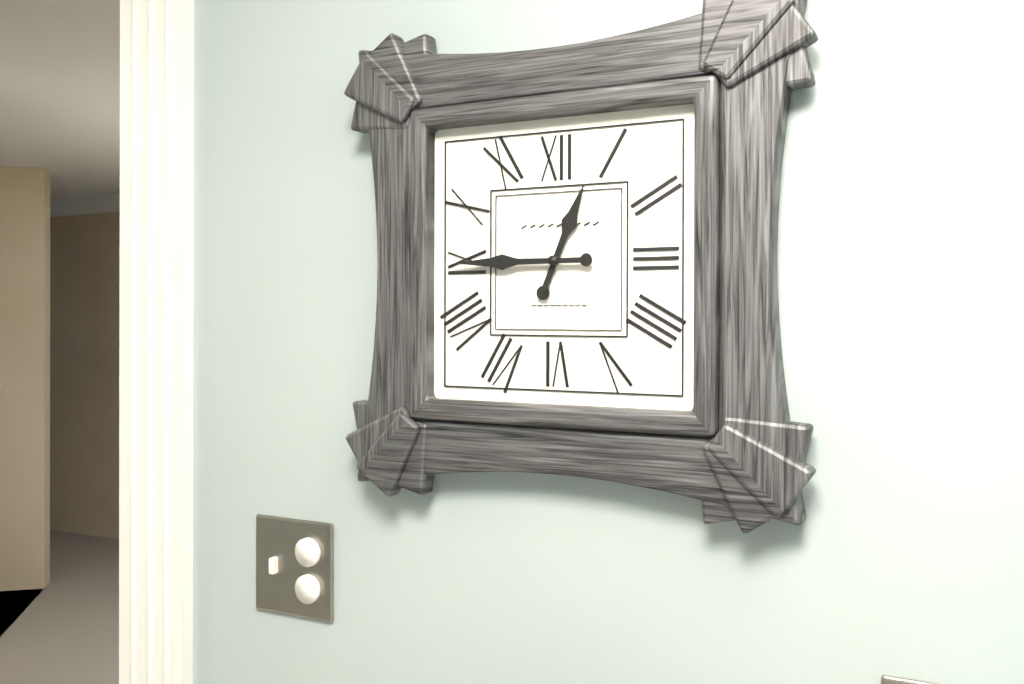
12.45
